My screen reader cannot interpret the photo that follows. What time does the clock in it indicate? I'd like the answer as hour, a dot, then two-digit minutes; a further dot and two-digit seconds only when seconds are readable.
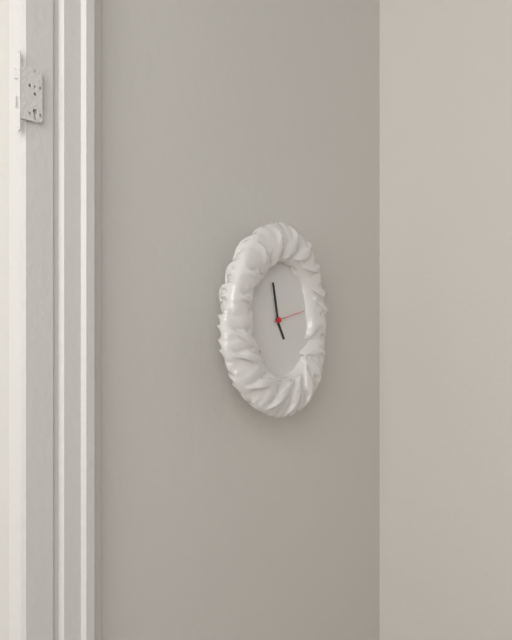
4.58
